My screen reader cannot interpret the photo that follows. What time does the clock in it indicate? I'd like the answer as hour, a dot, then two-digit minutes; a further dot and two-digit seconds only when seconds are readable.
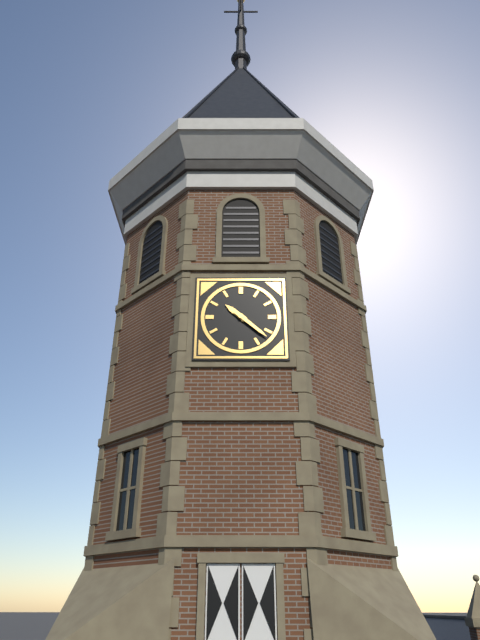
10.22
